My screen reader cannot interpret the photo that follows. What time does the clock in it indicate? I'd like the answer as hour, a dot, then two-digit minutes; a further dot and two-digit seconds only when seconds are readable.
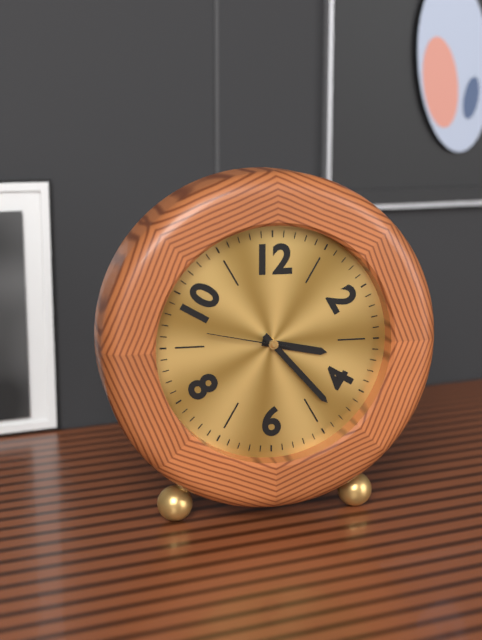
3.23.47
